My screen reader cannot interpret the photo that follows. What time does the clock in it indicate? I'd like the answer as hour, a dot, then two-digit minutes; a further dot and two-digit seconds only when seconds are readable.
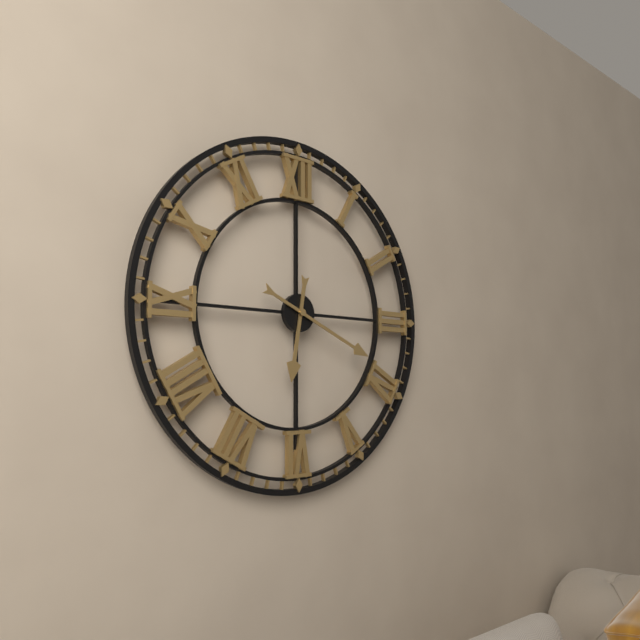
6.19
